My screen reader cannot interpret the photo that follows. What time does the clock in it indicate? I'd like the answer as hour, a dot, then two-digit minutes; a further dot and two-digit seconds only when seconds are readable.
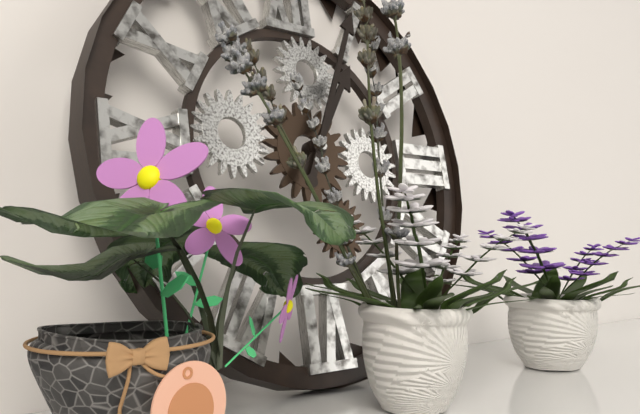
1.04
